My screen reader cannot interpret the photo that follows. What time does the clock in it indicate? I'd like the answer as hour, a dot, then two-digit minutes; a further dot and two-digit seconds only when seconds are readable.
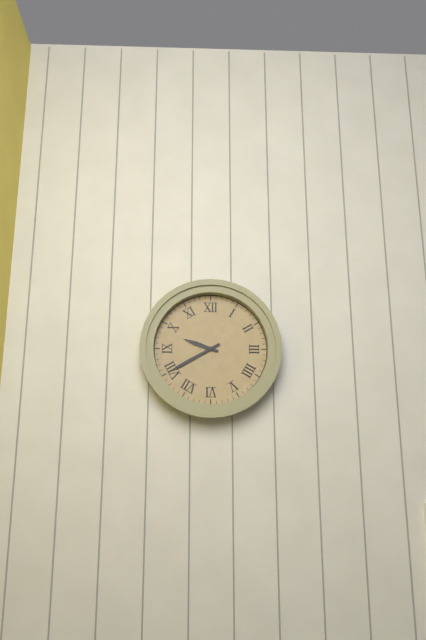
9.40
